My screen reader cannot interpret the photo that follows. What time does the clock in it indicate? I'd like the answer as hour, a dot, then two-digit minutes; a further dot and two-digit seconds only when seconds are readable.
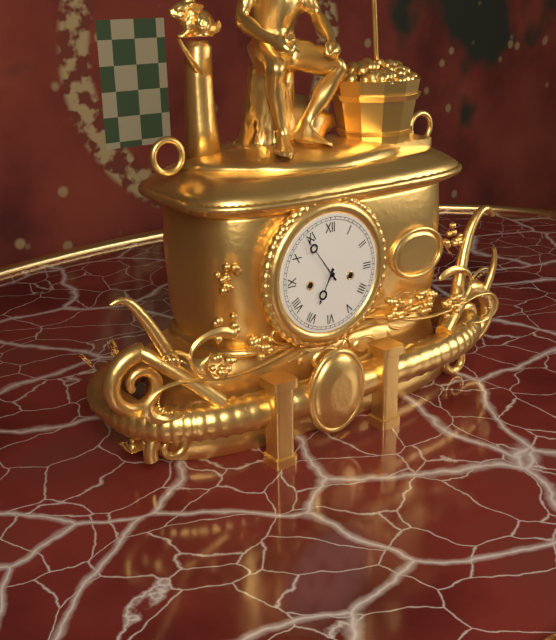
6.54
